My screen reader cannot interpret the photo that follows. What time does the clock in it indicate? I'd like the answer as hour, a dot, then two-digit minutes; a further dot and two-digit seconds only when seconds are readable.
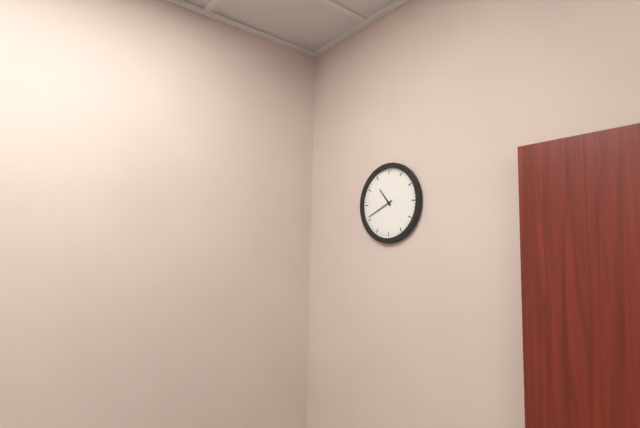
10.41
